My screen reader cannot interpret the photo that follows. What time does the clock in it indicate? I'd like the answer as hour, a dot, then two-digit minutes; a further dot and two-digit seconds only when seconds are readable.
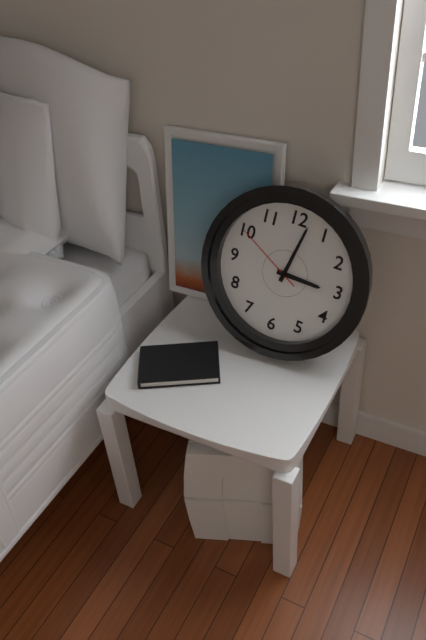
3.02.50
